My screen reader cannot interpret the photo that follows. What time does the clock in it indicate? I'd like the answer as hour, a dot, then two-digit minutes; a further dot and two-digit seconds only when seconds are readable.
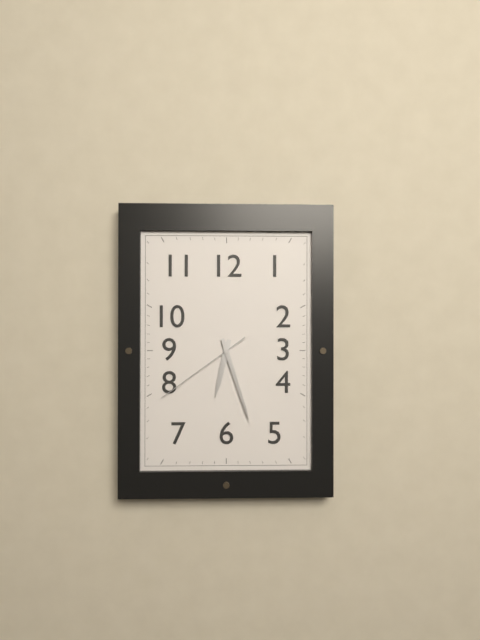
6.27.39
